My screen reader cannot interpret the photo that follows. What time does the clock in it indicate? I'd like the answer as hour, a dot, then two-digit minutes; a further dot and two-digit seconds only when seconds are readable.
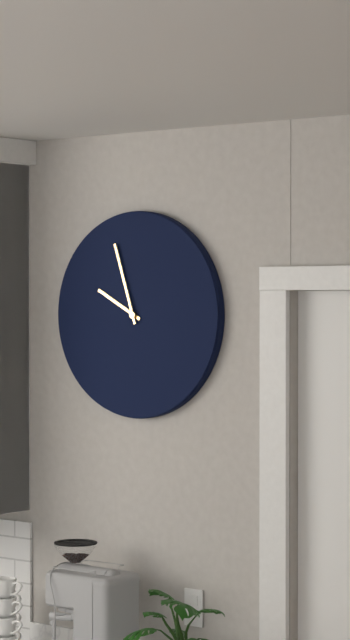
9.57
